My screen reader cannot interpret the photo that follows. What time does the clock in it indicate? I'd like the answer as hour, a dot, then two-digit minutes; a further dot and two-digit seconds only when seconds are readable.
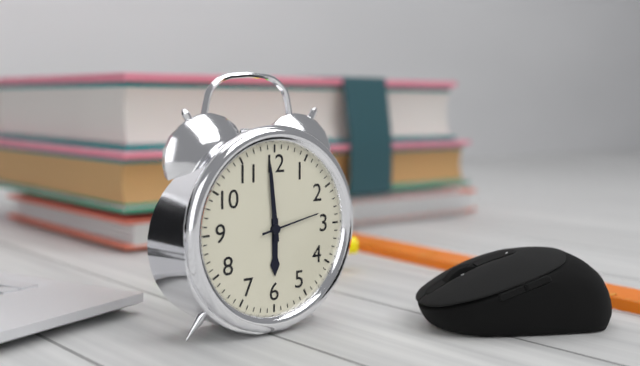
5.59.13
